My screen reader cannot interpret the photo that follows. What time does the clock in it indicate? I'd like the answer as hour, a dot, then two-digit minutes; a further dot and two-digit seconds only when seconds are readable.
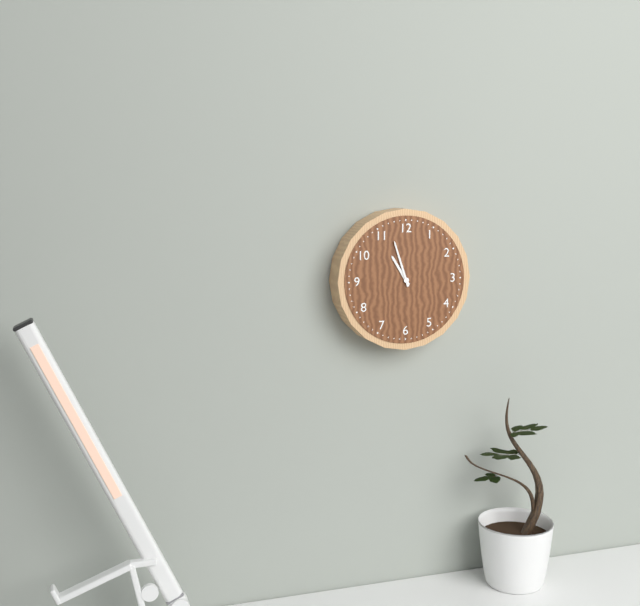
10.57
